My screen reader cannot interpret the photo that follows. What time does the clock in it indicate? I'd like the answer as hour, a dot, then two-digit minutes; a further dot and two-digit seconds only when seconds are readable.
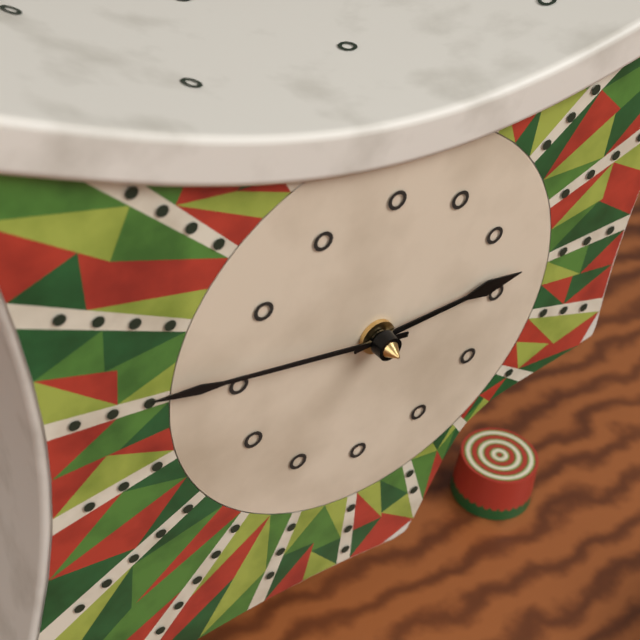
2.46
